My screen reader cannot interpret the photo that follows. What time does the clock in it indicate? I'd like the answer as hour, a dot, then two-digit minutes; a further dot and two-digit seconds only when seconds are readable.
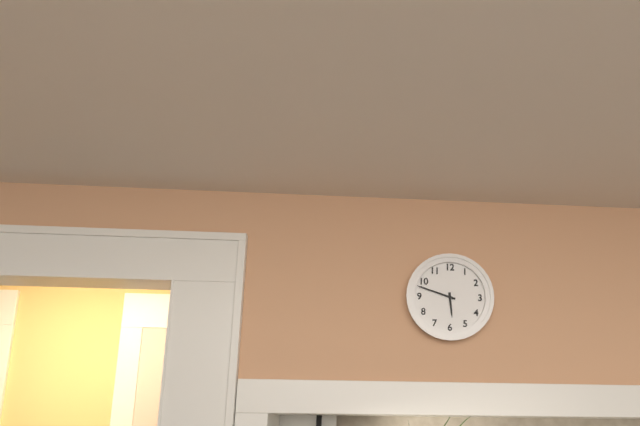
5.48
